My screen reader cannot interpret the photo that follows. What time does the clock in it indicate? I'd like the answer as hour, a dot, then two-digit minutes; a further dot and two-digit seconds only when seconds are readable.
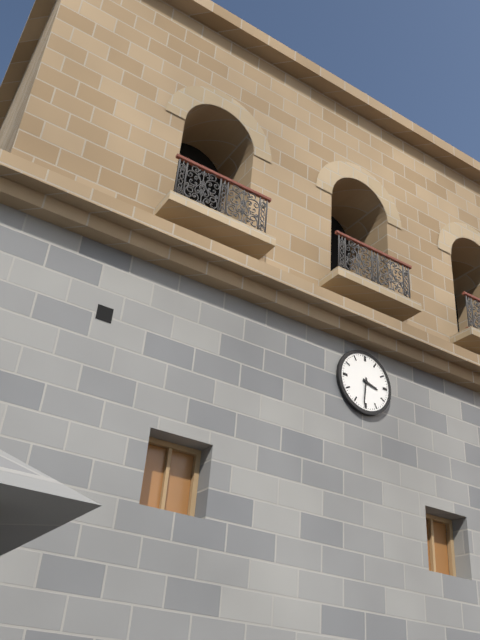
3.31
